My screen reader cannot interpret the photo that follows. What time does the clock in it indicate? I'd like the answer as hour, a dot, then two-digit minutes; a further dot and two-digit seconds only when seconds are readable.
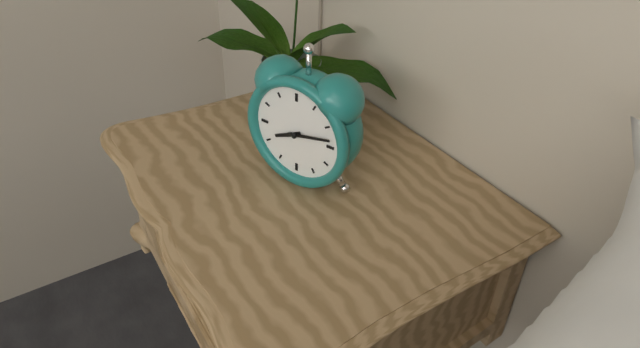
8.13
